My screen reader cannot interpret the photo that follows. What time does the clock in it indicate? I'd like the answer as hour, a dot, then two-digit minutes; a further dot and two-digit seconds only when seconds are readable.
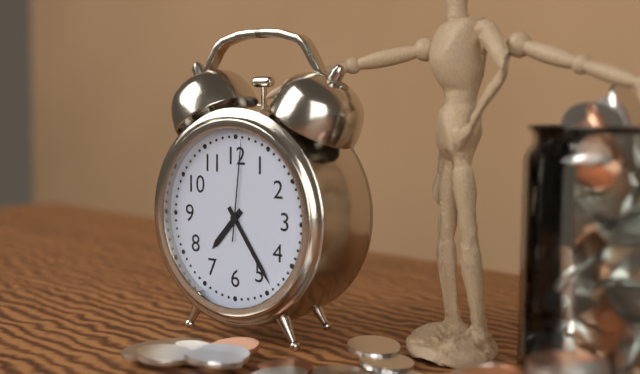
7.24.01
